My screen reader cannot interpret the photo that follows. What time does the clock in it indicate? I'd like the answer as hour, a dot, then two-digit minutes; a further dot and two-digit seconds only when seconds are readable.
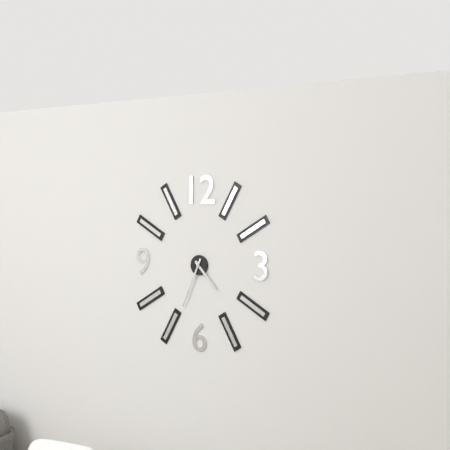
4.34
